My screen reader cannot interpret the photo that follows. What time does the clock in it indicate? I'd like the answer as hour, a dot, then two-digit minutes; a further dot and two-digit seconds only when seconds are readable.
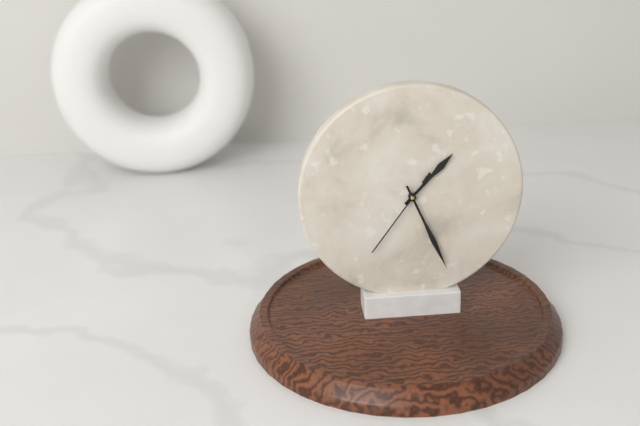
1.26.36
